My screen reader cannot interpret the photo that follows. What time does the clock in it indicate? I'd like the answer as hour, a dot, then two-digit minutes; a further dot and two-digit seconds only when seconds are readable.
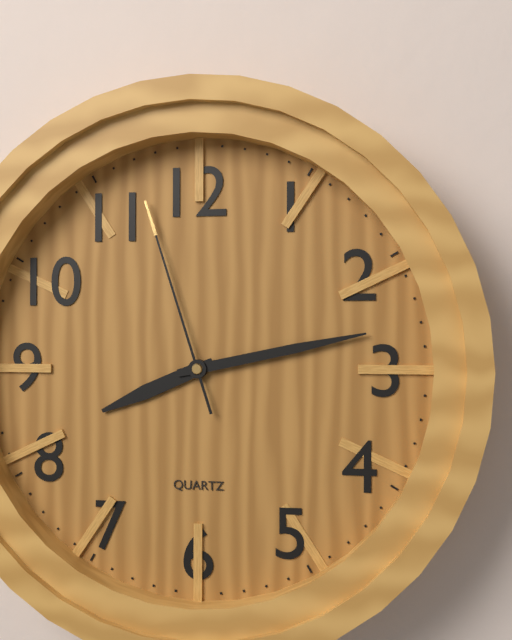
8.13.57
